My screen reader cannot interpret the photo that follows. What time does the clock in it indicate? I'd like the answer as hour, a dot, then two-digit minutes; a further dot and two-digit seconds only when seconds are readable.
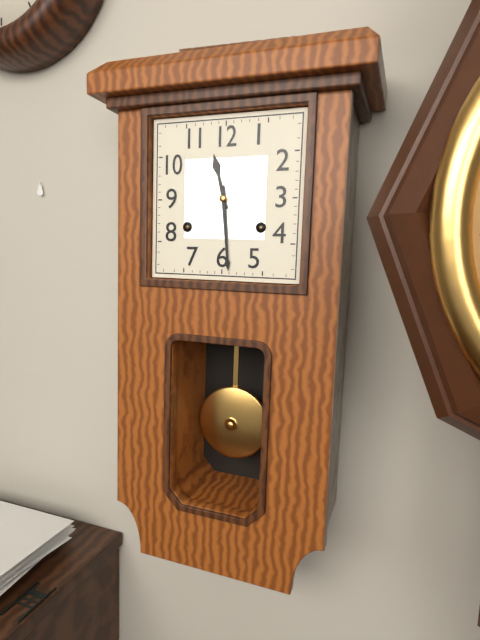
11.29
